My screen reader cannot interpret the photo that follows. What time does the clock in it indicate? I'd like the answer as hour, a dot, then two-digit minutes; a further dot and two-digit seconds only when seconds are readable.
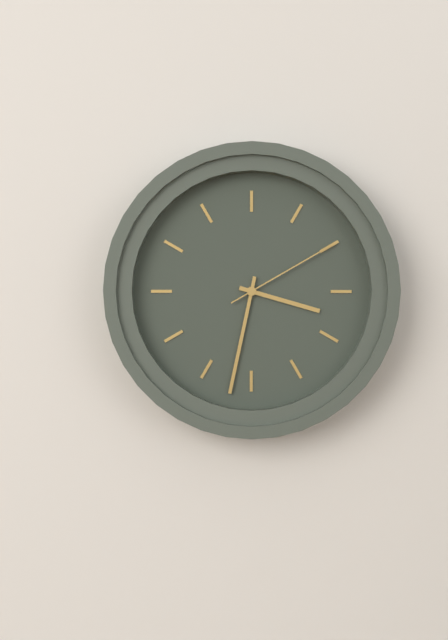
3.32.10
